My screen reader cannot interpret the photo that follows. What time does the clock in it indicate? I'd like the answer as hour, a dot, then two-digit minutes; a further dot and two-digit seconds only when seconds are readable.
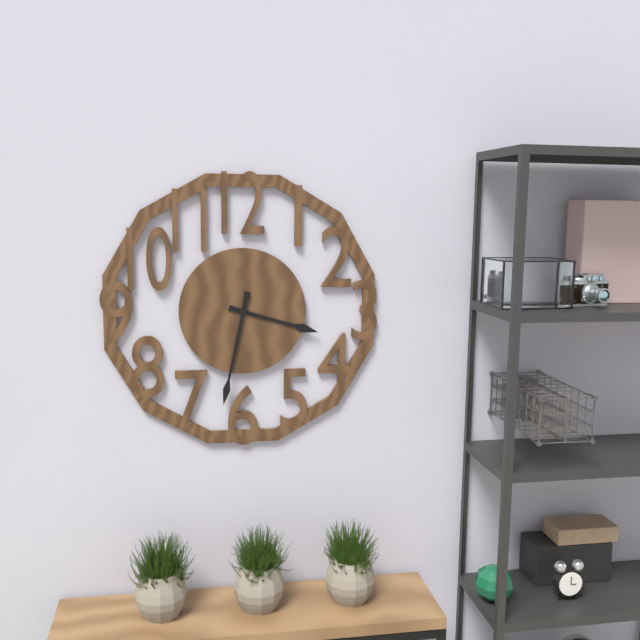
3.32
